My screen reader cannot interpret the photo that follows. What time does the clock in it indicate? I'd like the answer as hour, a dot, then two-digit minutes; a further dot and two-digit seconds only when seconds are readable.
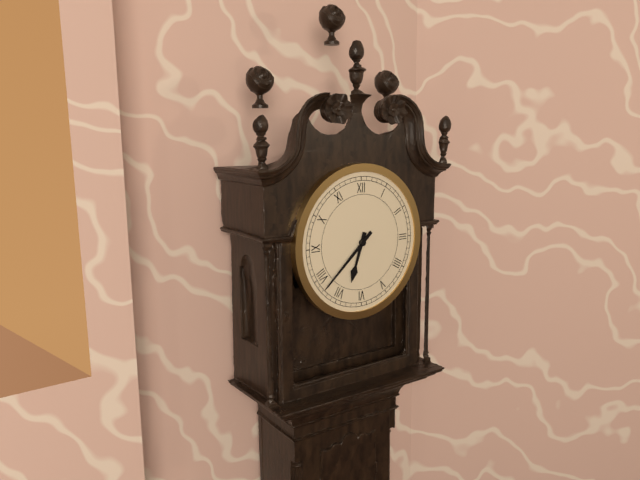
6.38
